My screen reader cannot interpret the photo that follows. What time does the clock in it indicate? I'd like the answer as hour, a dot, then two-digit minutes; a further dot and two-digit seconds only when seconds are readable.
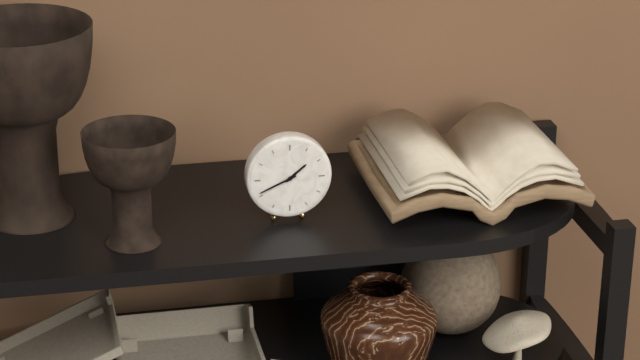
1.41
